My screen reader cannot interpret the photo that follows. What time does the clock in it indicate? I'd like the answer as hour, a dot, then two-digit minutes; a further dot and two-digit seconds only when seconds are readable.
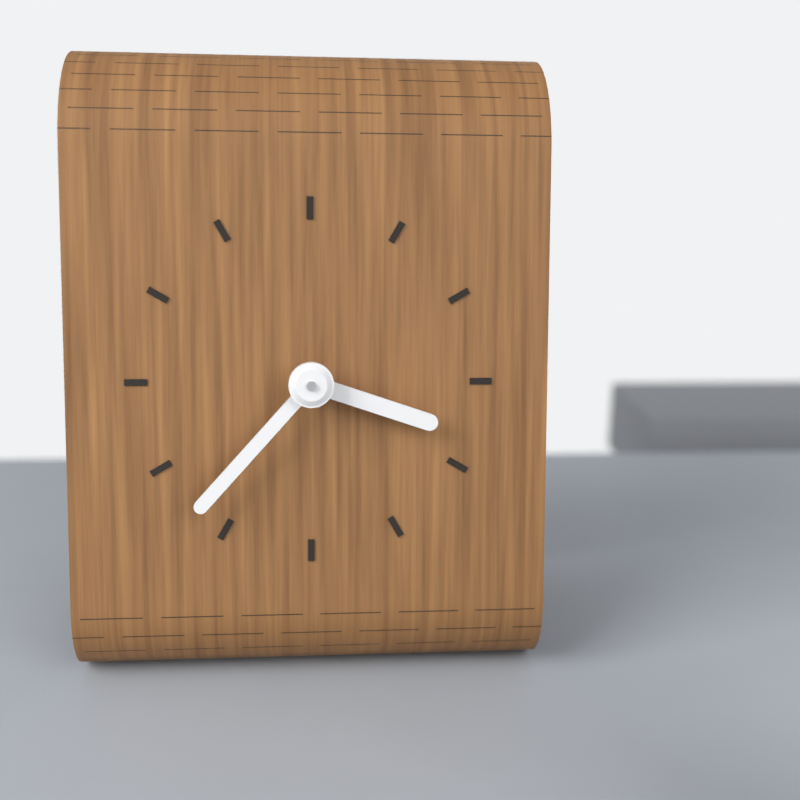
3.37
